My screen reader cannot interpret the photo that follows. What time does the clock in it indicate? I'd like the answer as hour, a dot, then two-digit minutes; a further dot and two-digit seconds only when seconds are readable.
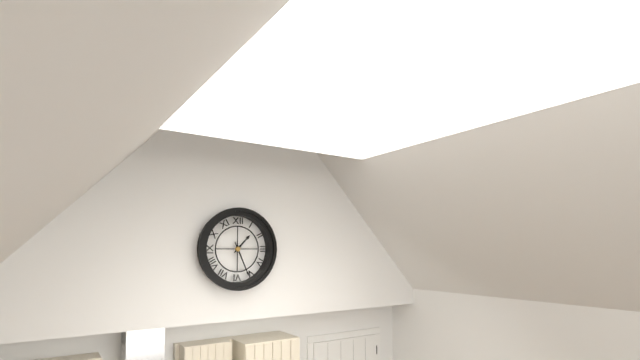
1.26
